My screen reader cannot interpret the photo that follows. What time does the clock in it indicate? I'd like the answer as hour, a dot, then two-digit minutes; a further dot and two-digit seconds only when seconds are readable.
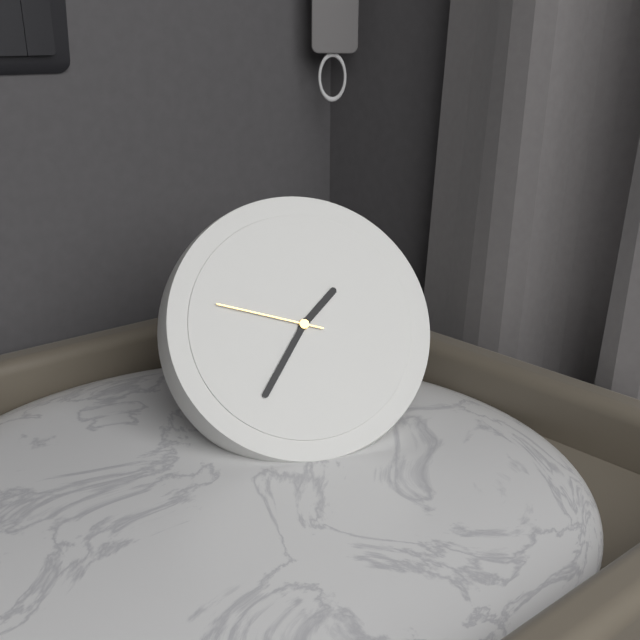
1.36.48
